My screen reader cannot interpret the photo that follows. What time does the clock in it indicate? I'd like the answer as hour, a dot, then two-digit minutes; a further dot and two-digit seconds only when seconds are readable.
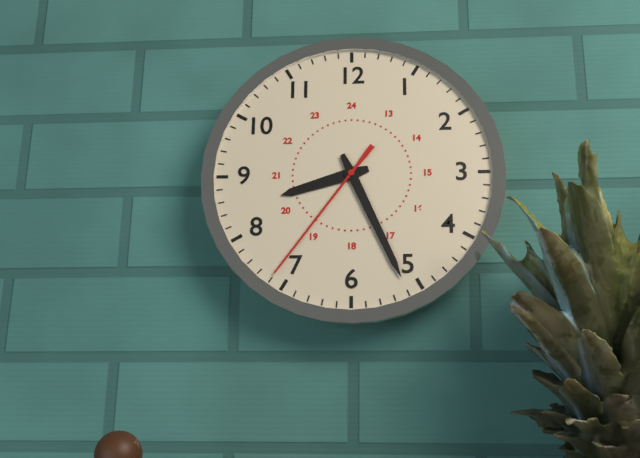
8.26.36
